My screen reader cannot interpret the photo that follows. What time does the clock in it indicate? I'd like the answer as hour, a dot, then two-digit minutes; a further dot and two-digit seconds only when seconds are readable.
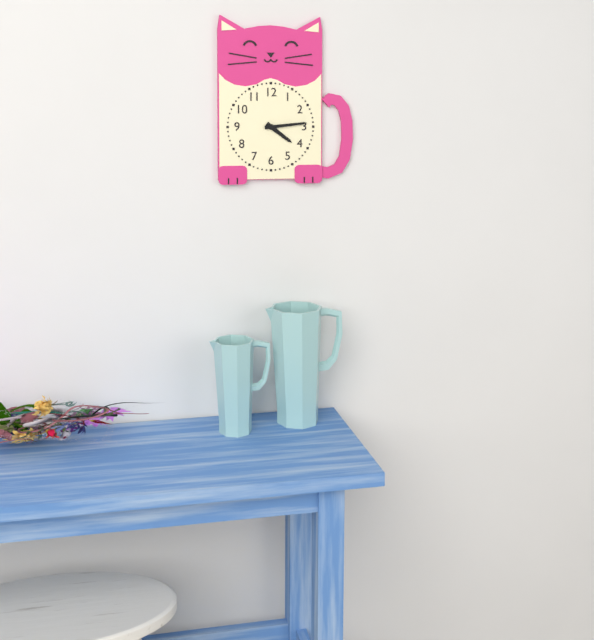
4.14
